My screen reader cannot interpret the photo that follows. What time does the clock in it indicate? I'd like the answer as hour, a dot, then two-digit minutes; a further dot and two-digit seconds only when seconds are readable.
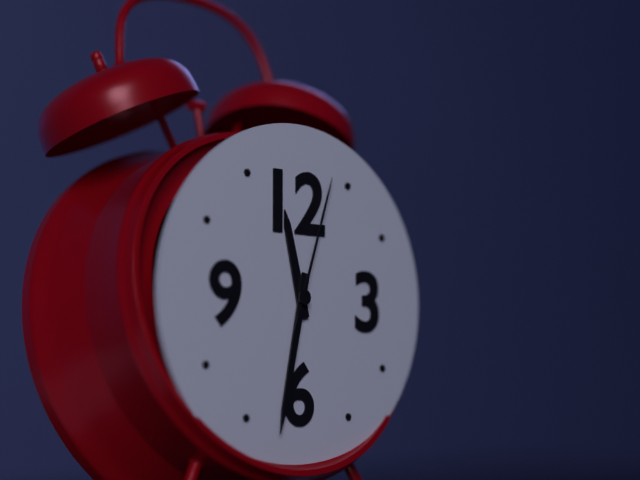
11.32.03
